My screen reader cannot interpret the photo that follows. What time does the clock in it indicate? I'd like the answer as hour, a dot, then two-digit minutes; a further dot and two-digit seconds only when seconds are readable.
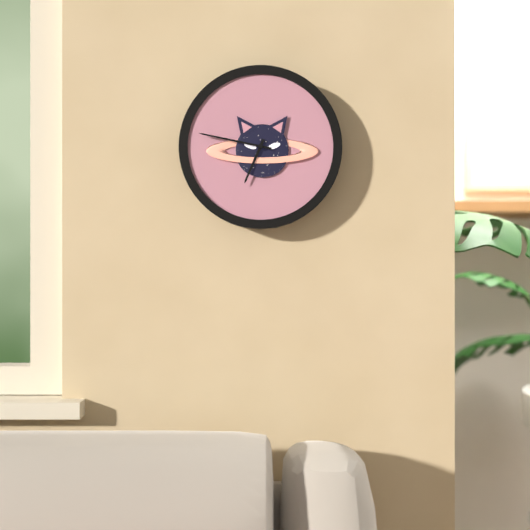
6.47
